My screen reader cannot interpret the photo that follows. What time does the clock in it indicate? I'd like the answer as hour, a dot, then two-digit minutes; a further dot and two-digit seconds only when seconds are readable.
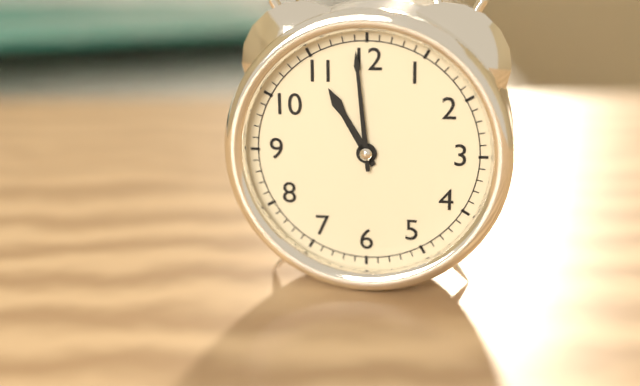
10.59
